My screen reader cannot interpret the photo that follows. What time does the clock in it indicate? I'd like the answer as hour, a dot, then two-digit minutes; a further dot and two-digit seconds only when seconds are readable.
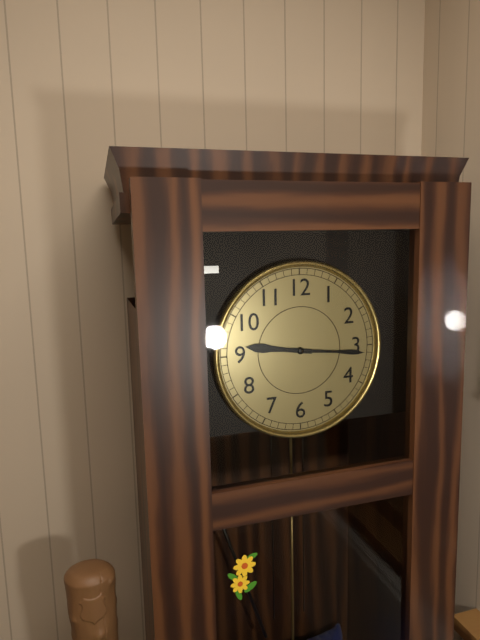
9.16
